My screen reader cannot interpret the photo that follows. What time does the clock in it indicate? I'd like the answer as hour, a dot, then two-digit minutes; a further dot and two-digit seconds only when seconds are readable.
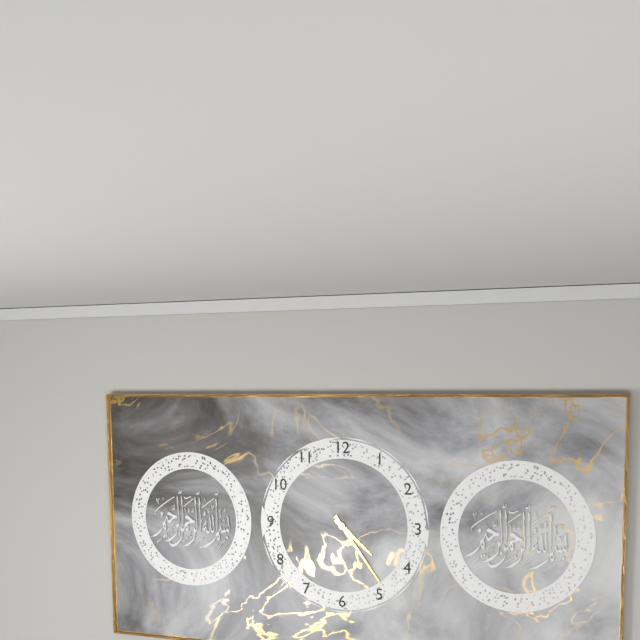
4.24
